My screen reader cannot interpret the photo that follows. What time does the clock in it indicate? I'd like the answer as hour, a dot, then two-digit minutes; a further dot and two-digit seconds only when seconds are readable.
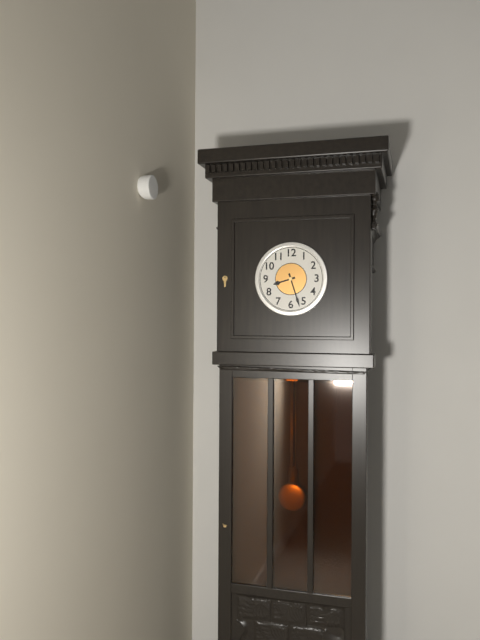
8.27
